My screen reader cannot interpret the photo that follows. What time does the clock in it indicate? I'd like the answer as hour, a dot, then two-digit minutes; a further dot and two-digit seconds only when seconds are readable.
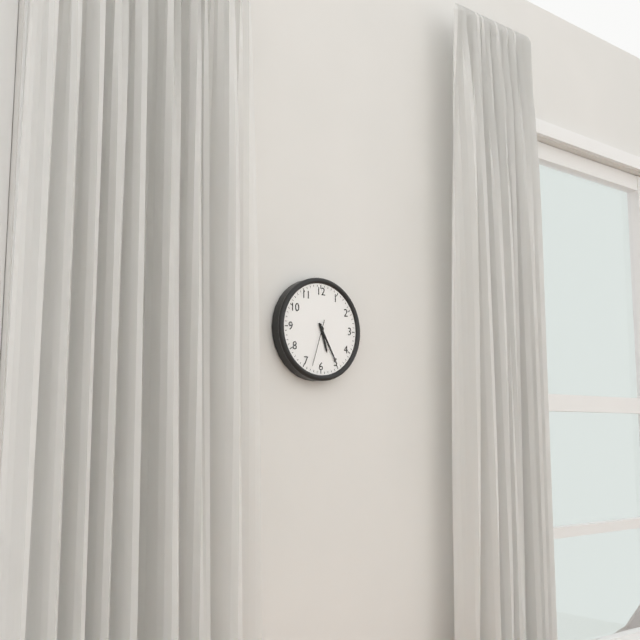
5.25
